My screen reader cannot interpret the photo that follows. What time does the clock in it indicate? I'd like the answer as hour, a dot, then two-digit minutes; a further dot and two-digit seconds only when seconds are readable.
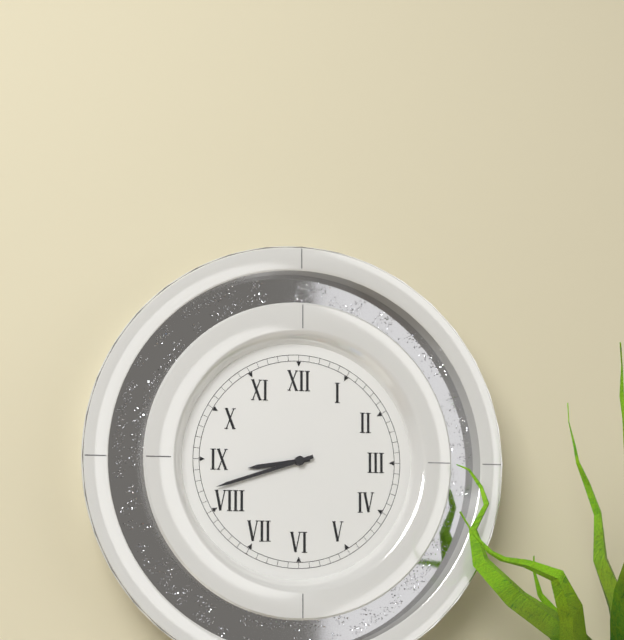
8.42
